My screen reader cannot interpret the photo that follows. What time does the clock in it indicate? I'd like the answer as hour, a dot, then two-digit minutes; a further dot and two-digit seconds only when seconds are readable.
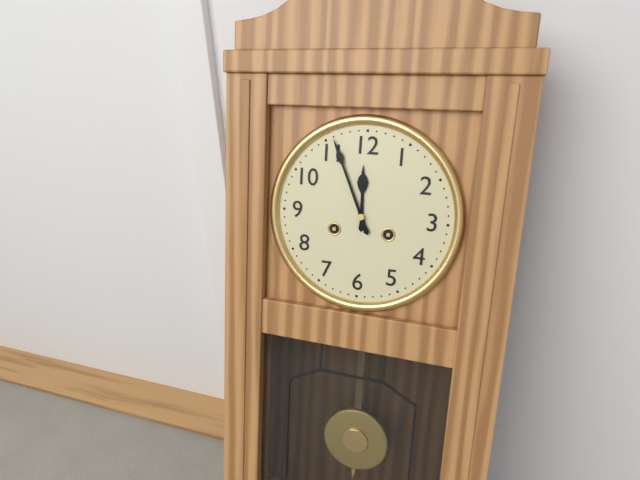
11.56
